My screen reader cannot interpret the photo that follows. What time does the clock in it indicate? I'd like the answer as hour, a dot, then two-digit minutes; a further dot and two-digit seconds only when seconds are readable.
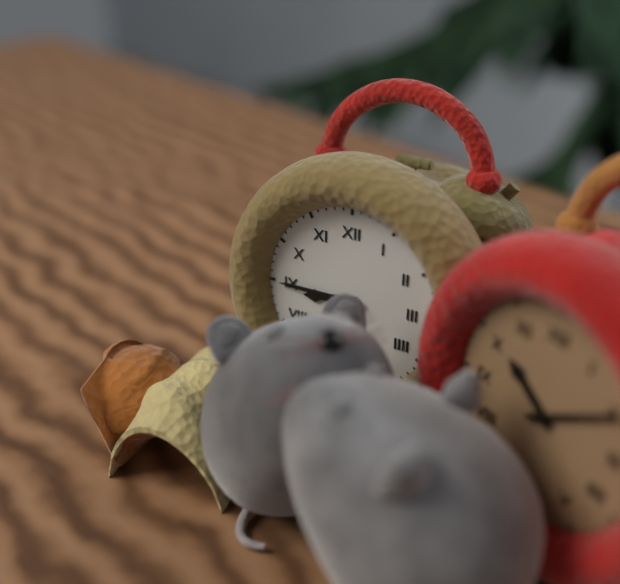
8.45
